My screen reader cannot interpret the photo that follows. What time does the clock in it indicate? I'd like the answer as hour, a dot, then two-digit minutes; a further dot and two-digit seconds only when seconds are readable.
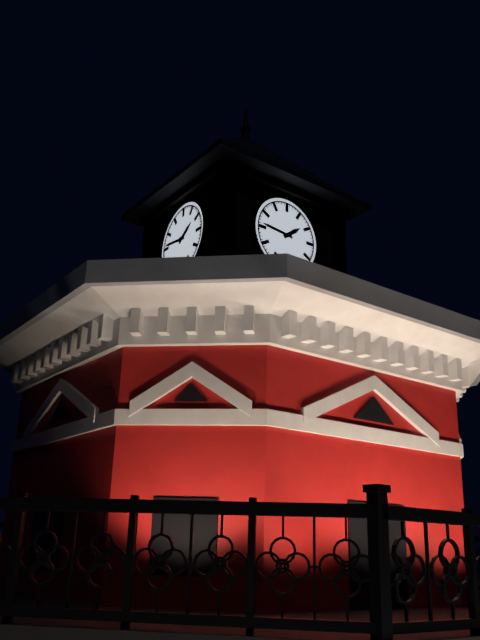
1.46
